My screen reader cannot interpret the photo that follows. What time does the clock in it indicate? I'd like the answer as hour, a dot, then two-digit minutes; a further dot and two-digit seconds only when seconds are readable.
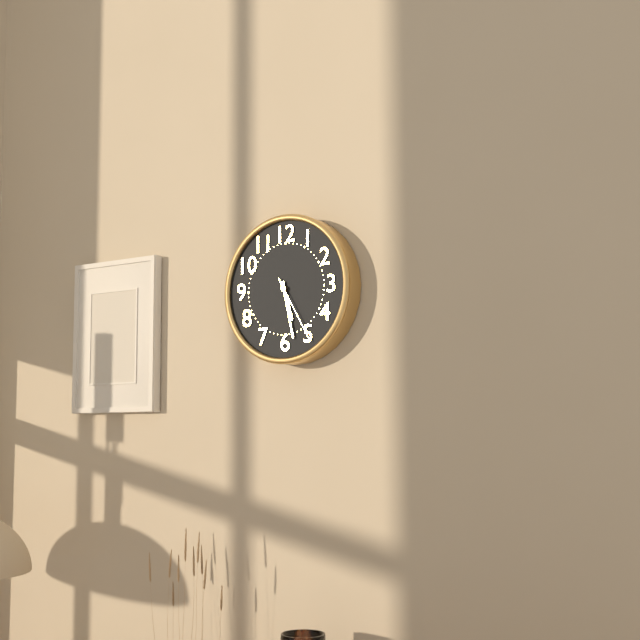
5.28.25
